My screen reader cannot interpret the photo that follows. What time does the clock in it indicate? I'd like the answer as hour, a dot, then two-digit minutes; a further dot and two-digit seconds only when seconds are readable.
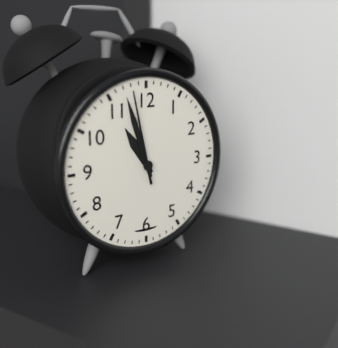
10.57.58
